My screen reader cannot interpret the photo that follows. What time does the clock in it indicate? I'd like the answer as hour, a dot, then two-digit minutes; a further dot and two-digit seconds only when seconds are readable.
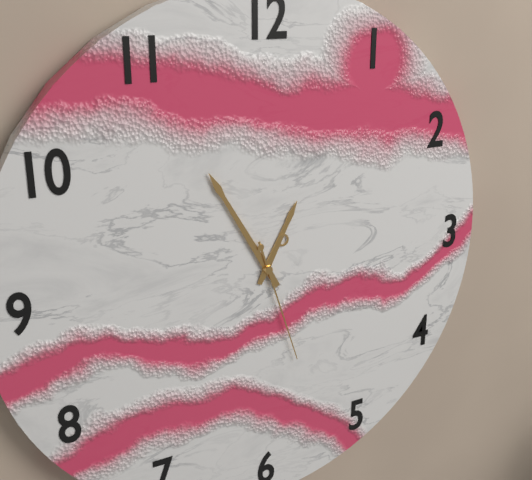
12.55.27
